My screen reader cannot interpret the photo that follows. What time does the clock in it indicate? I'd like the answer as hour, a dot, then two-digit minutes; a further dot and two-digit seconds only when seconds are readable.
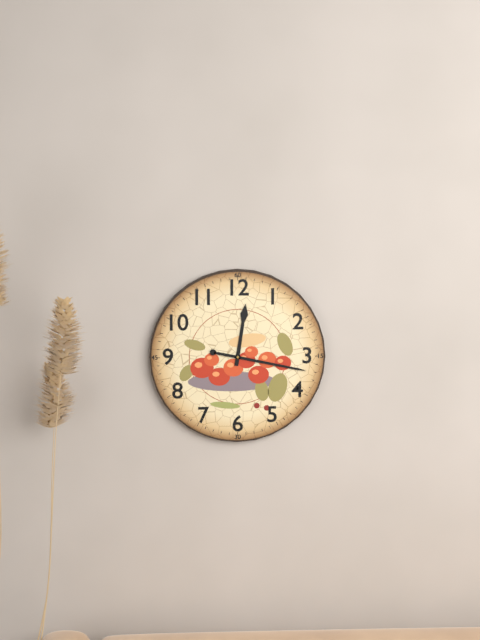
12.17
